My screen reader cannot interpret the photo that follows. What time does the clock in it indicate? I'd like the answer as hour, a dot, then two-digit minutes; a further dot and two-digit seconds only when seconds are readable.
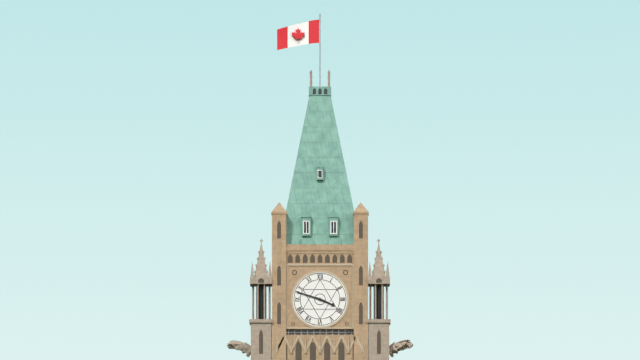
3.48
